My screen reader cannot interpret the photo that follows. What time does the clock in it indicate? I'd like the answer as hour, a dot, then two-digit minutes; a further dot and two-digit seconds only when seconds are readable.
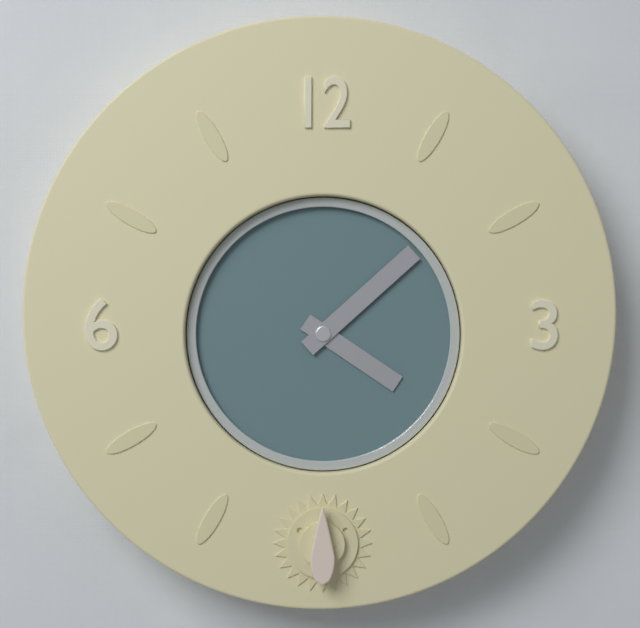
4.08
